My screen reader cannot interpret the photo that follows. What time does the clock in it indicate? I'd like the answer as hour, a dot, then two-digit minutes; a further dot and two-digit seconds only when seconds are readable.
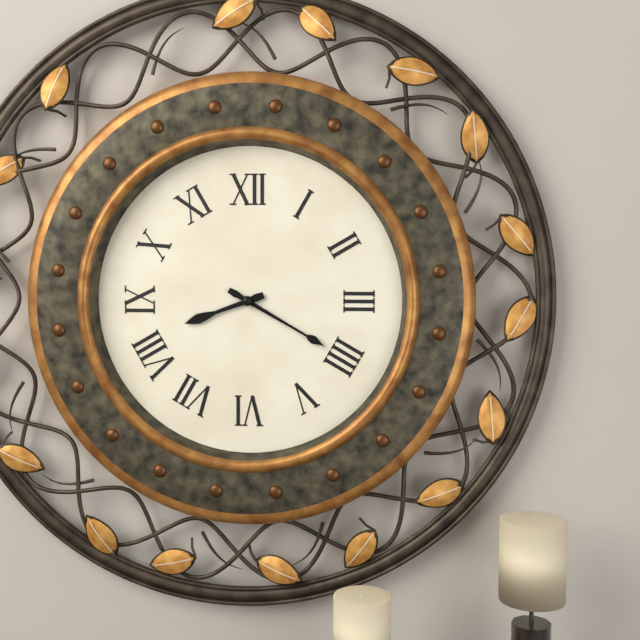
8.20
